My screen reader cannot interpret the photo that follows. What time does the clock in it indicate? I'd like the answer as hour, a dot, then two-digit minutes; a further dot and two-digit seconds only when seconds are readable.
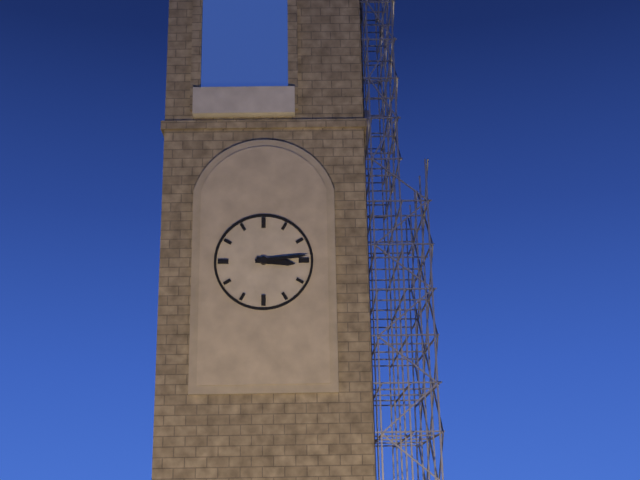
3.14
